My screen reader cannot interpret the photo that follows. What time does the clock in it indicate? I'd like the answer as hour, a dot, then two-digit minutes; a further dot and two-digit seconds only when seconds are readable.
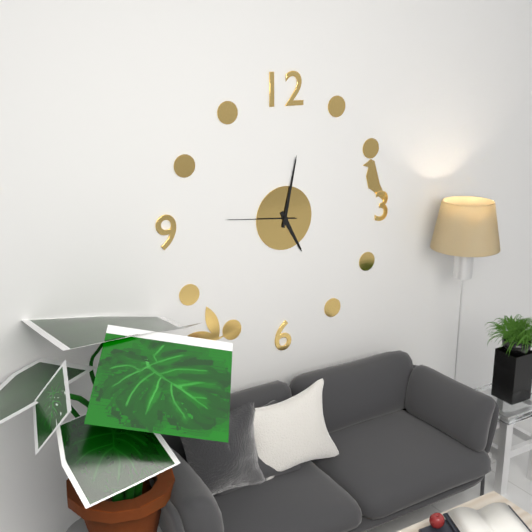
5.02.46
